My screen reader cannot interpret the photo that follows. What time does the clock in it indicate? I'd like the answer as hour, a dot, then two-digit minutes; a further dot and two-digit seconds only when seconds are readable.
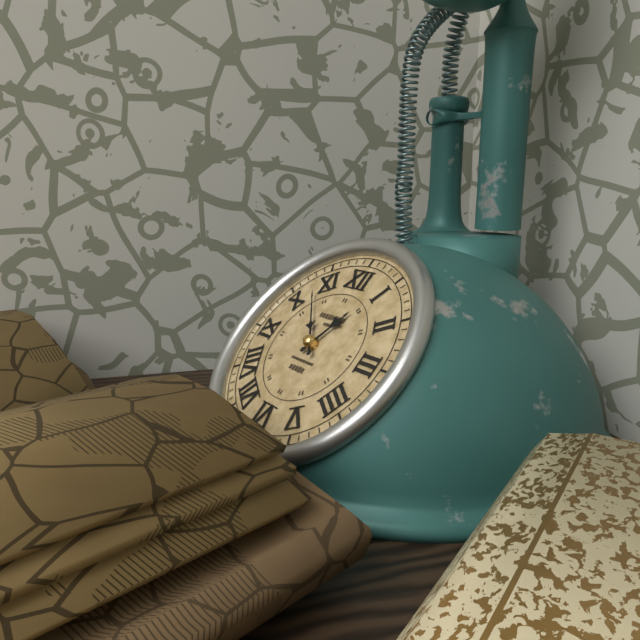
12.53
